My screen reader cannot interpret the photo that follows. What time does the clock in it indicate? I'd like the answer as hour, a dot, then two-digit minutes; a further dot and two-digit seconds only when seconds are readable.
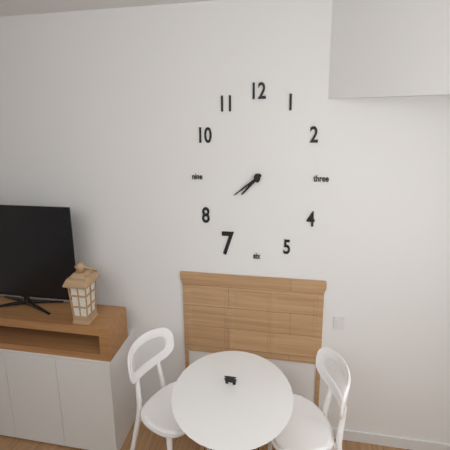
7.40
